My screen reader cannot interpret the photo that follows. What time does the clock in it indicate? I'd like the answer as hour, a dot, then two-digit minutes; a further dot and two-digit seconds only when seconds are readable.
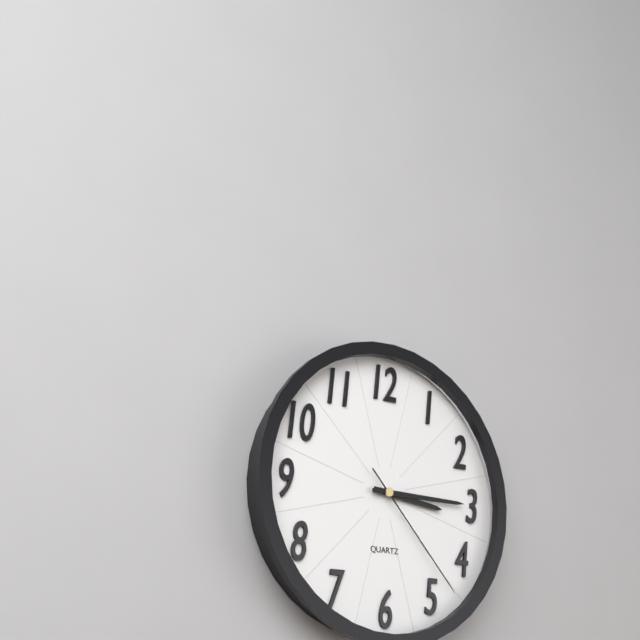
3.15.23
